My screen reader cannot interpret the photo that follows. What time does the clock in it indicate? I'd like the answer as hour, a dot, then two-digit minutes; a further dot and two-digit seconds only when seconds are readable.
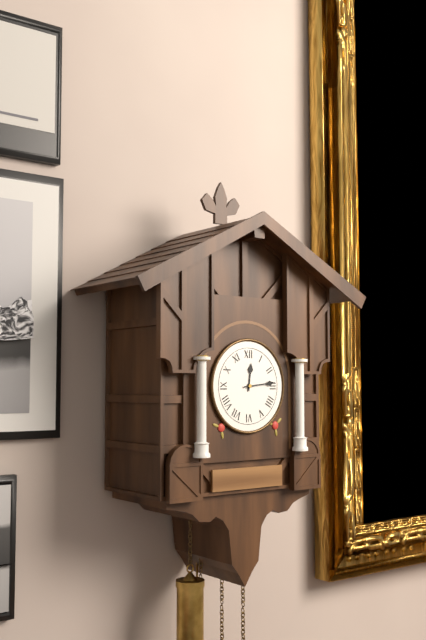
12.14
